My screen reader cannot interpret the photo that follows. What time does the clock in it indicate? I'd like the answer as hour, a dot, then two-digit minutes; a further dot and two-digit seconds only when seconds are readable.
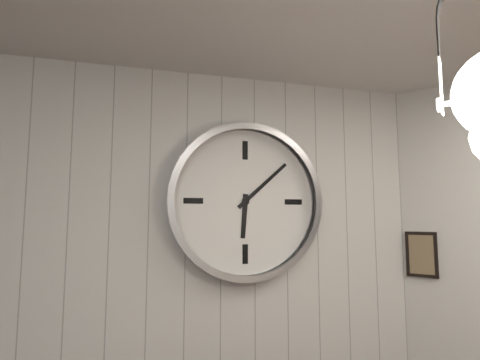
6.08
